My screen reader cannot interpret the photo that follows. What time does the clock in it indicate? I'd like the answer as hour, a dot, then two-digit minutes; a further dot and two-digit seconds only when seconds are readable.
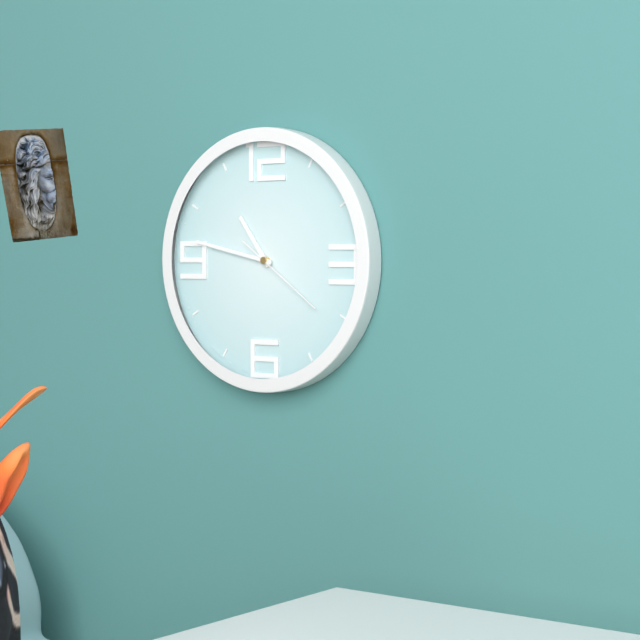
10.47.21
